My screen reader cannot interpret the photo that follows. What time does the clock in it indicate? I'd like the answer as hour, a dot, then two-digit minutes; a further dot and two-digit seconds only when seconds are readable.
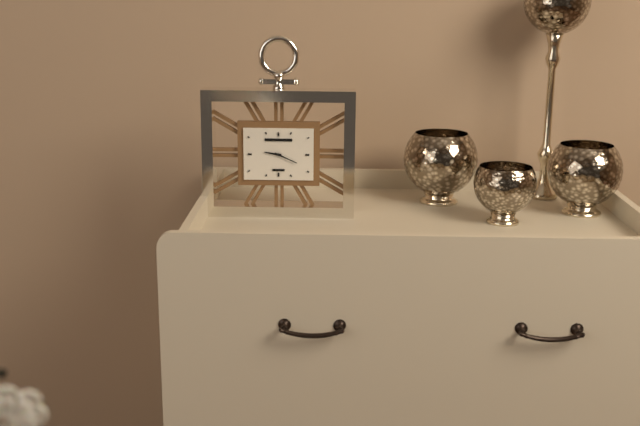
9.19
